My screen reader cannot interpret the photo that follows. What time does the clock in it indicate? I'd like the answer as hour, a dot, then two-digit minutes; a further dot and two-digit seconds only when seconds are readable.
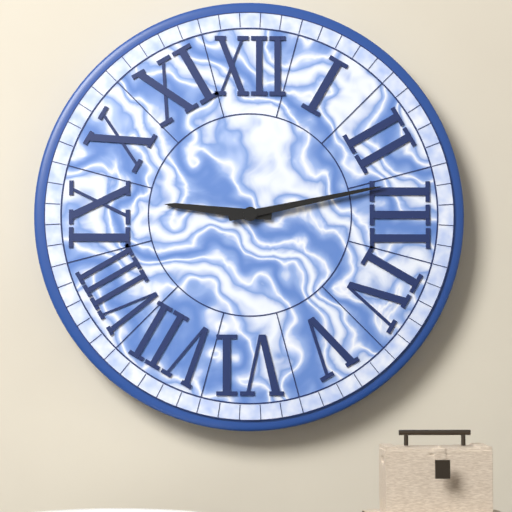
9.13
